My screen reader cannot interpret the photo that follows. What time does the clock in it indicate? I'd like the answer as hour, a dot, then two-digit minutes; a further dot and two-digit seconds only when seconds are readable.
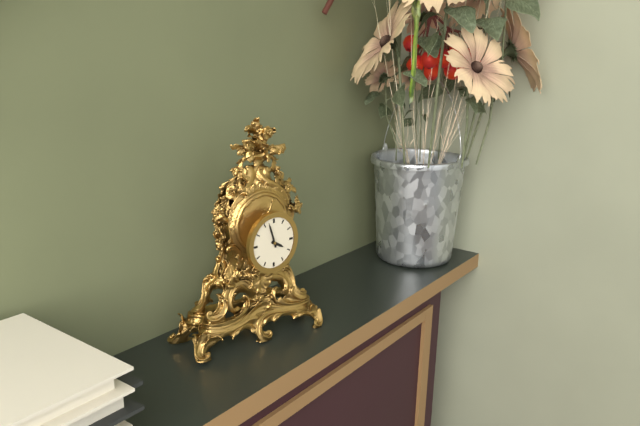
3.57
